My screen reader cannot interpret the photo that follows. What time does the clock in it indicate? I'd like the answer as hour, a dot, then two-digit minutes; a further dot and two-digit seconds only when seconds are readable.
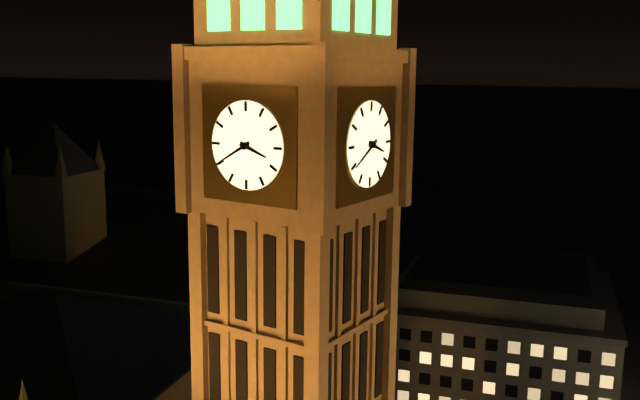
3.40
